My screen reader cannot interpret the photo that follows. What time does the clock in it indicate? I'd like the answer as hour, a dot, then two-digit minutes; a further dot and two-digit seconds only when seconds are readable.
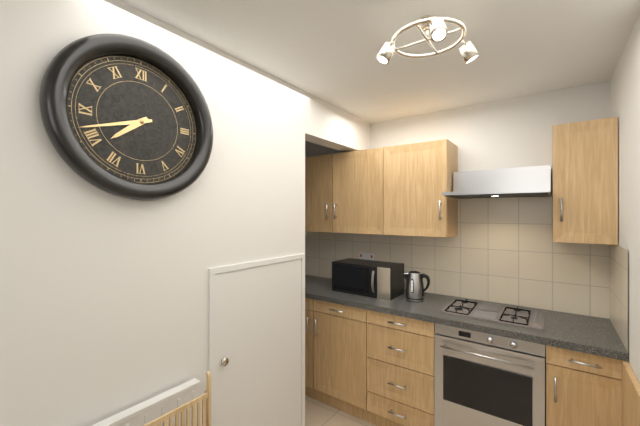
7.42
